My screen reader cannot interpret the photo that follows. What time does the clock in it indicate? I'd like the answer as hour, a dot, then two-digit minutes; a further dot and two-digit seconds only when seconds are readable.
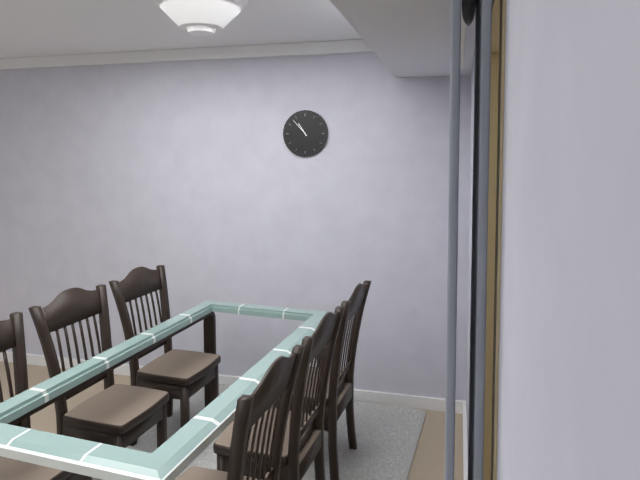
10.53
